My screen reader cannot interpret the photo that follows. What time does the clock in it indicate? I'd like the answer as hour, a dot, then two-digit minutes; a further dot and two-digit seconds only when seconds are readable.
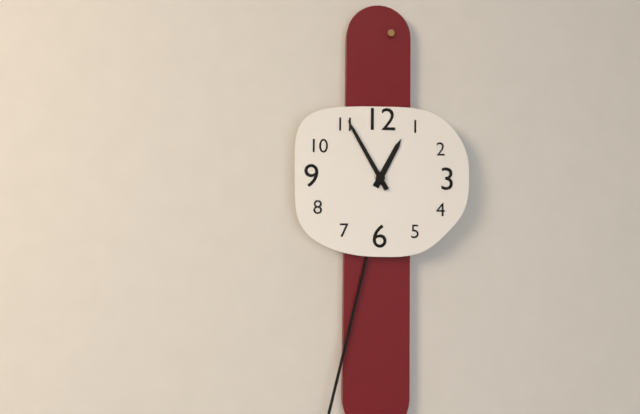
12.55
